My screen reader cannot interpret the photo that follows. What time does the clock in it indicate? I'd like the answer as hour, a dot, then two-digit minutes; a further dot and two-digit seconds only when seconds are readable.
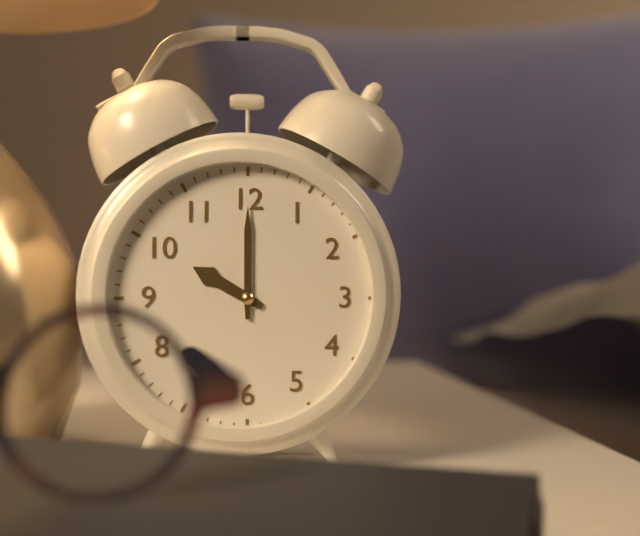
10.00
